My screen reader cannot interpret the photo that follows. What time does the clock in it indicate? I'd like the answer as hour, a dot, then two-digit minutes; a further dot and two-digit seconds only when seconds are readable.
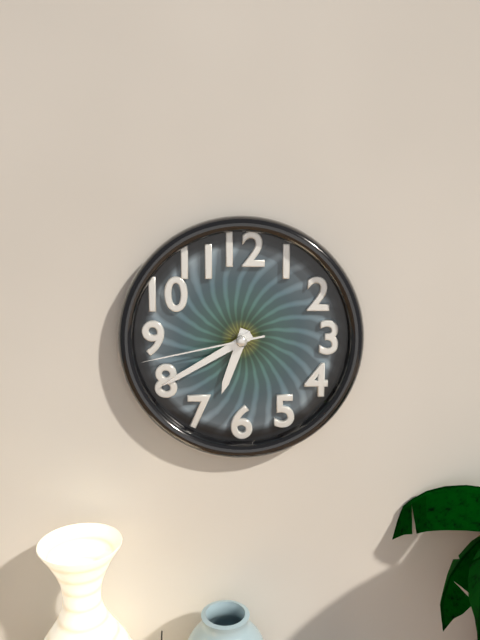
6.40.43
